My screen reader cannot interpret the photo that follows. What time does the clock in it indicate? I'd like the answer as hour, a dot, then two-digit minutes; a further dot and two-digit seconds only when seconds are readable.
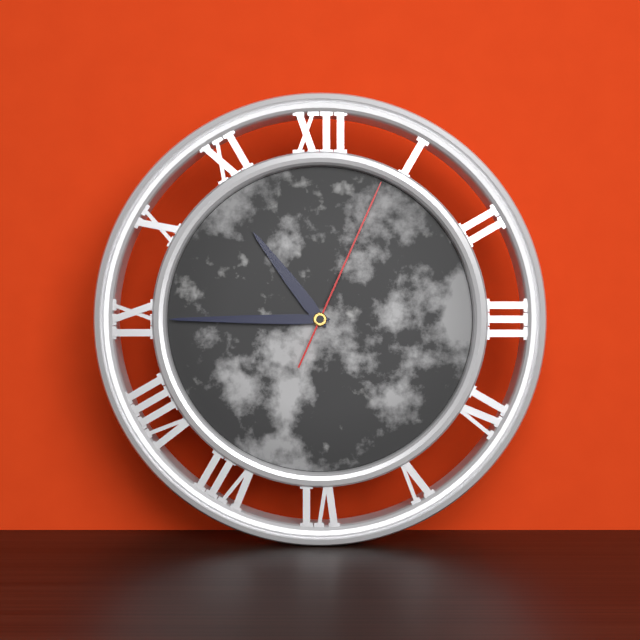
10.45.04
